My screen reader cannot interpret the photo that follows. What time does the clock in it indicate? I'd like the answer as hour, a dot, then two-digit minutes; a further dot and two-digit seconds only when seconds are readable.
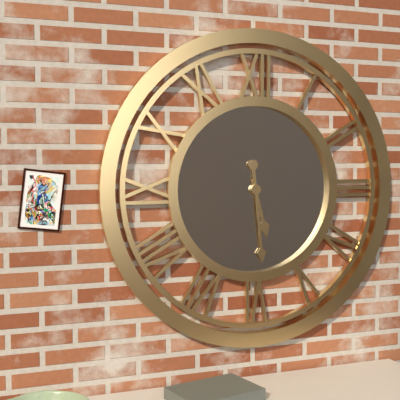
5.29
